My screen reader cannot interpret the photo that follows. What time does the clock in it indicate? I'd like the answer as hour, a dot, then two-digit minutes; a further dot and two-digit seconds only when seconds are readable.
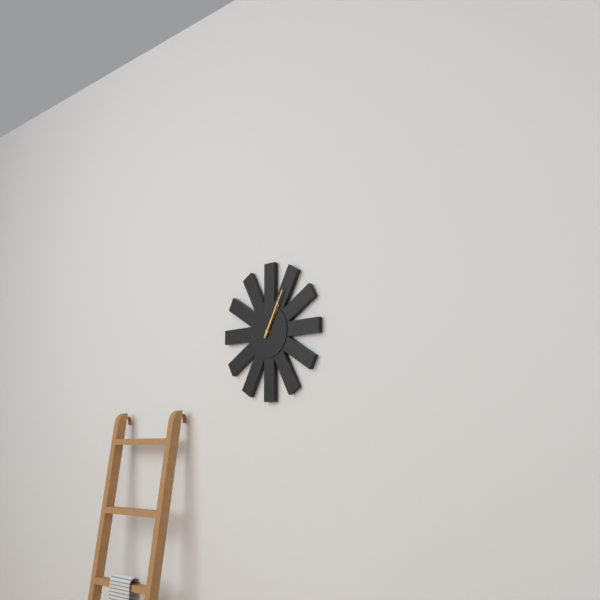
1.05
